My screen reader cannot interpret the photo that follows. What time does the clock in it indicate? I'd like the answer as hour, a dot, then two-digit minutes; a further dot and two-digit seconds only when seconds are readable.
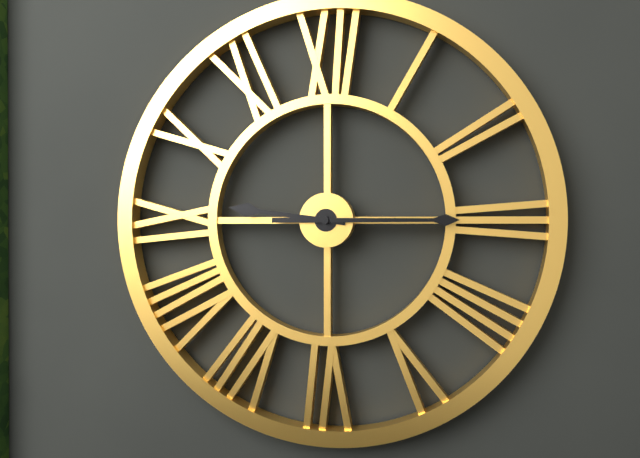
9.15
